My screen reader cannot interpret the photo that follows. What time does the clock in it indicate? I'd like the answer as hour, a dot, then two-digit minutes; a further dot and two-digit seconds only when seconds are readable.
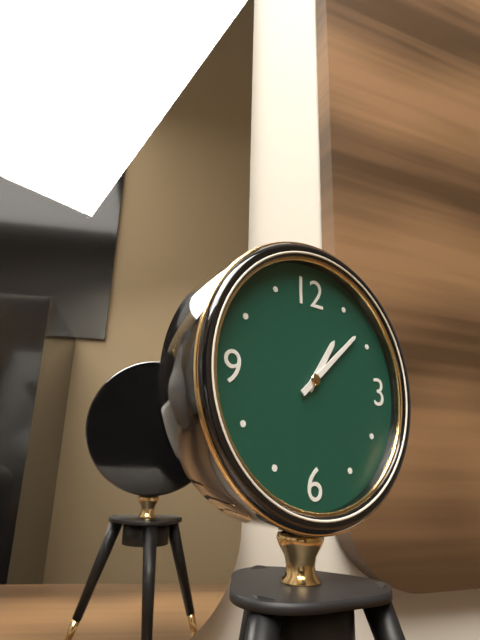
1.08
